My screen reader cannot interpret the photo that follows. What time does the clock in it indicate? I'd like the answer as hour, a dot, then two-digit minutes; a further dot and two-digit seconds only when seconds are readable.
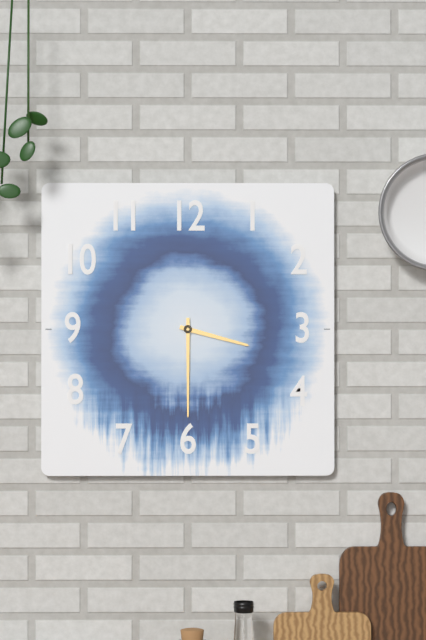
3.30
